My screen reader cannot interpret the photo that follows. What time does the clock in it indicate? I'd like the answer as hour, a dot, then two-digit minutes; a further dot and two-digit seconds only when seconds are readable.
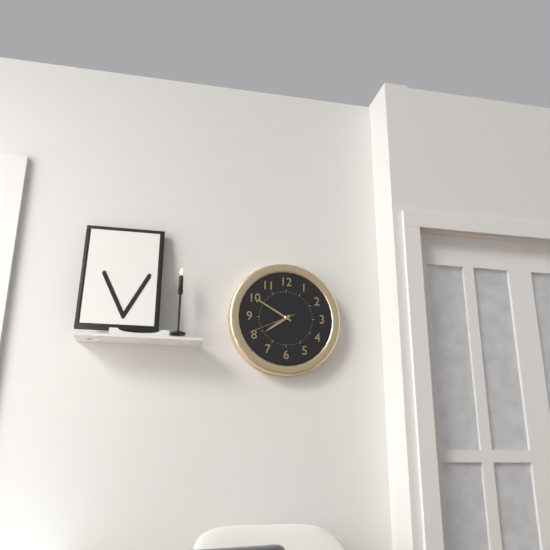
7.50
